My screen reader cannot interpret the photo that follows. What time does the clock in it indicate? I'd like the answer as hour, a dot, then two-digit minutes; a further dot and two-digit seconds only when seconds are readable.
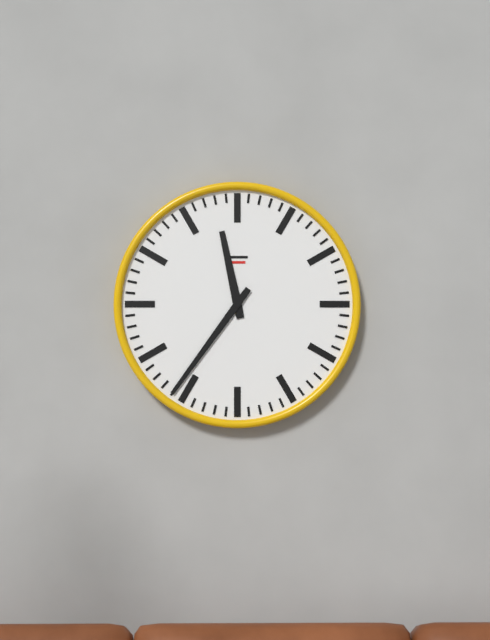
11.36
